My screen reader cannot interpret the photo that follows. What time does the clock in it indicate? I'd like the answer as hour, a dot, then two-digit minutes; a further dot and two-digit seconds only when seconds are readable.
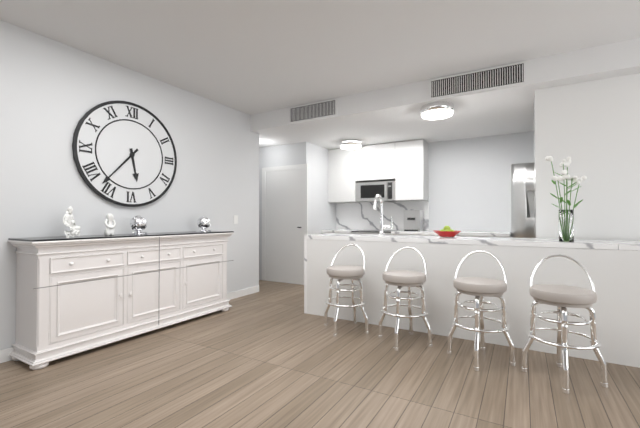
5.37
